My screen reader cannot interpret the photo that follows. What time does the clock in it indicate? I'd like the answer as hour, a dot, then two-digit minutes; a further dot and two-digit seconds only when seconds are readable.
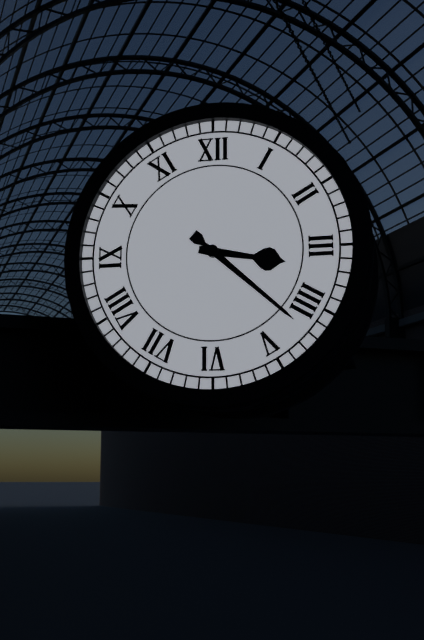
3.22
